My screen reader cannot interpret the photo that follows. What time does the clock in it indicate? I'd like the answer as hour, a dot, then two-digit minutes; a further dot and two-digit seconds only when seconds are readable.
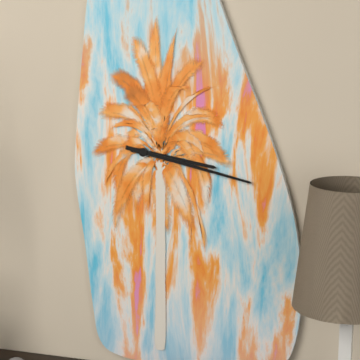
3.17
